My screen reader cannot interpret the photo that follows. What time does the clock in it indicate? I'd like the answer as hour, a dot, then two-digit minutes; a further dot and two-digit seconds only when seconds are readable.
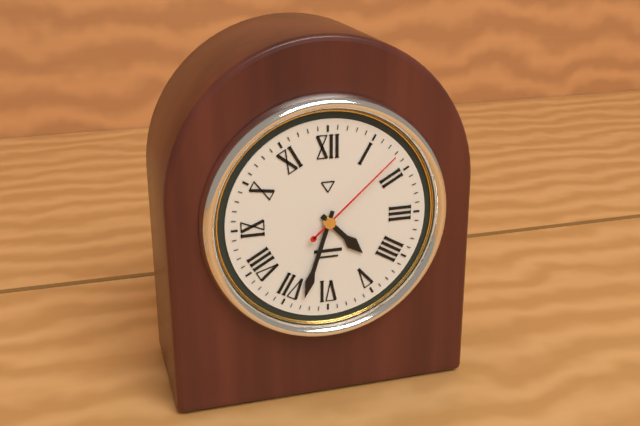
4.33.08
